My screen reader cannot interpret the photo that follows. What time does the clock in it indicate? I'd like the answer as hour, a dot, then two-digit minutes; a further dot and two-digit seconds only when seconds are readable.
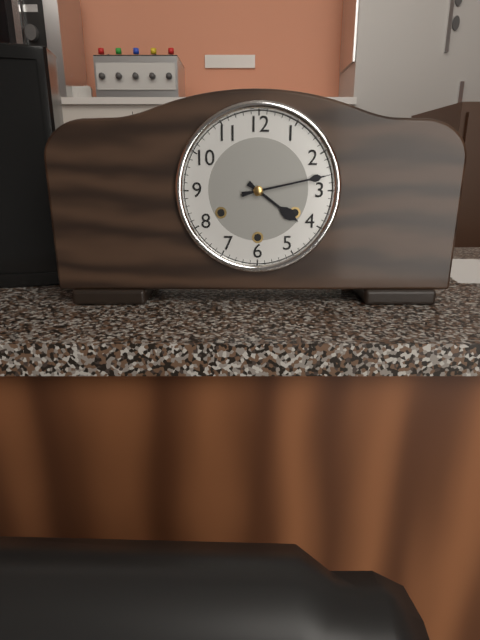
4.13
